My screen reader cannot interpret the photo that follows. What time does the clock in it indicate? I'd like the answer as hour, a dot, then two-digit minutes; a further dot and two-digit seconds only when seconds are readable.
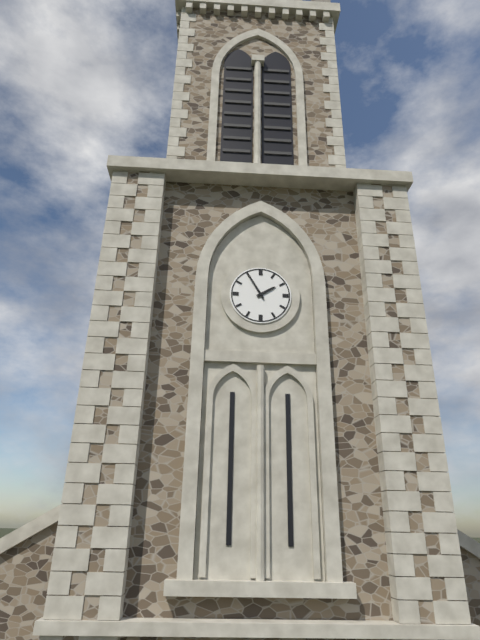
1.55
